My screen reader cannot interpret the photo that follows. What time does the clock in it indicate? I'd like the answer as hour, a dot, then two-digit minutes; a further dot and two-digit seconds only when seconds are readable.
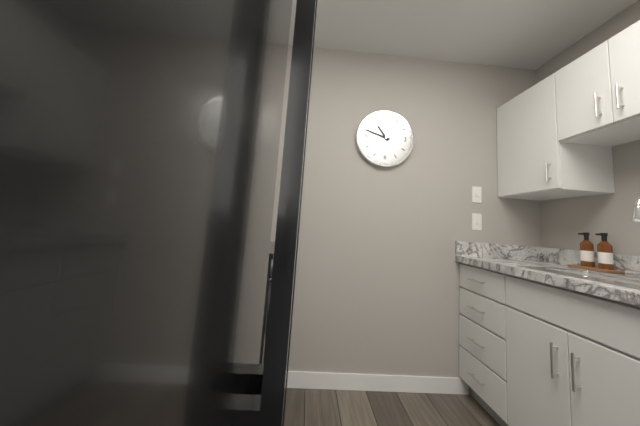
10.48
